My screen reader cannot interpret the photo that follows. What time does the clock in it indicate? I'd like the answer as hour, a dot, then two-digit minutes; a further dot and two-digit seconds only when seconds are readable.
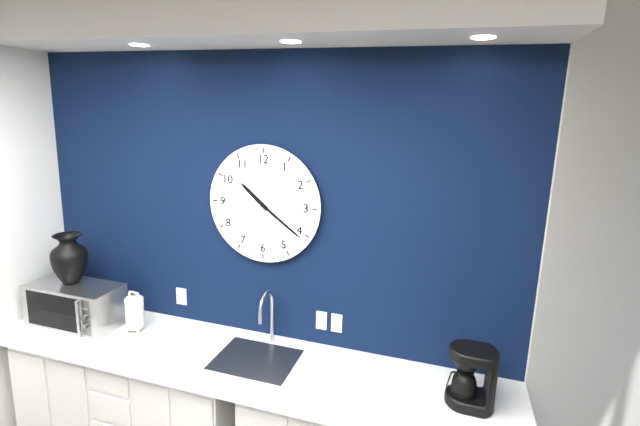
10.21
